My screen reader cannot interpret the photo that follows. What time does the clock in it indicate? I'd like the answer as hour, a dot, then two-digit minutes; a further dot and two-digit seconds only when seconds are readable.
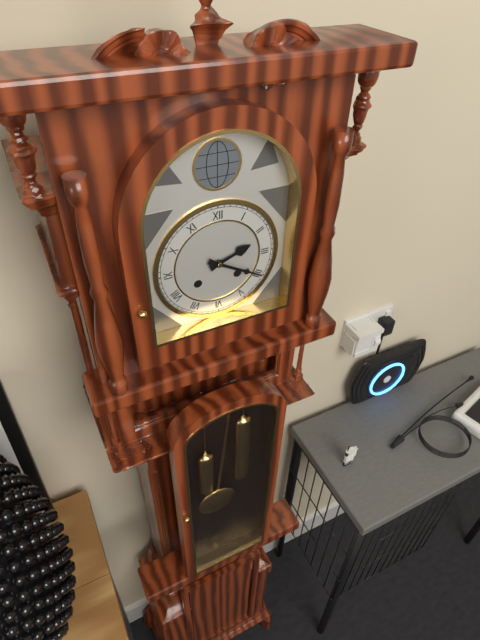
2.20
